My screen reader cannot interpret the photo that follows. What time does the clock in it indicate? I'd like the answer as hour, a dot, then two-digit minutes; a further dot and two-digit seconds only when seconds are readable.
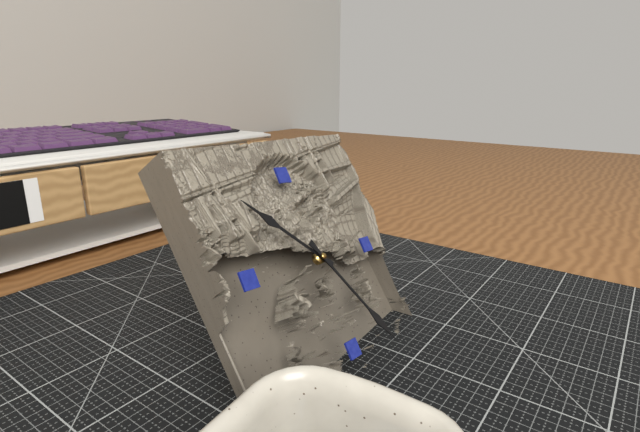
10.25
